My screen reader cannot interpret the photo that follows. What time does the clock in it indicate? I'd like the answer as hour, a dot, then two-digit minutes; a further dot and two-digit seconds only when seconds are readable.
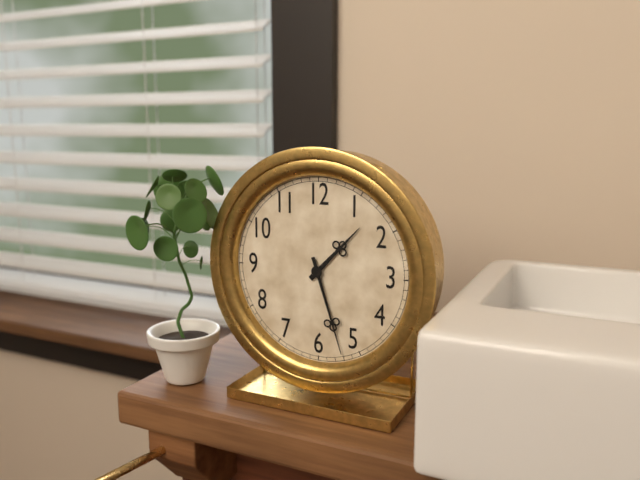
1.27
